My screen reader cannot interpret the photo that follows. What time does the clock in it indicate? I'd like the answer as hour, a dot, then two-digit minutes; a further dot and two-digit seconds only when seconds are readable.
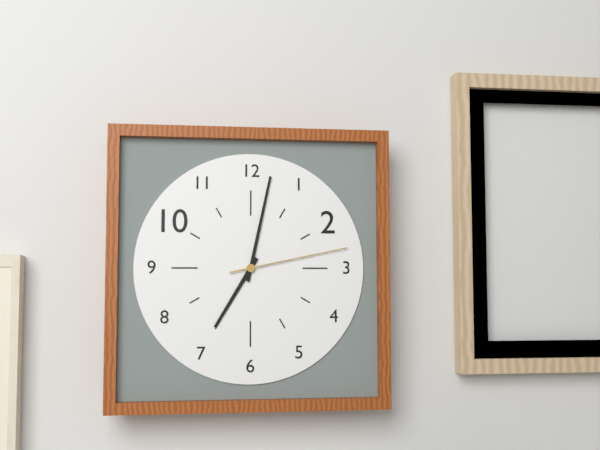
7.02.13
